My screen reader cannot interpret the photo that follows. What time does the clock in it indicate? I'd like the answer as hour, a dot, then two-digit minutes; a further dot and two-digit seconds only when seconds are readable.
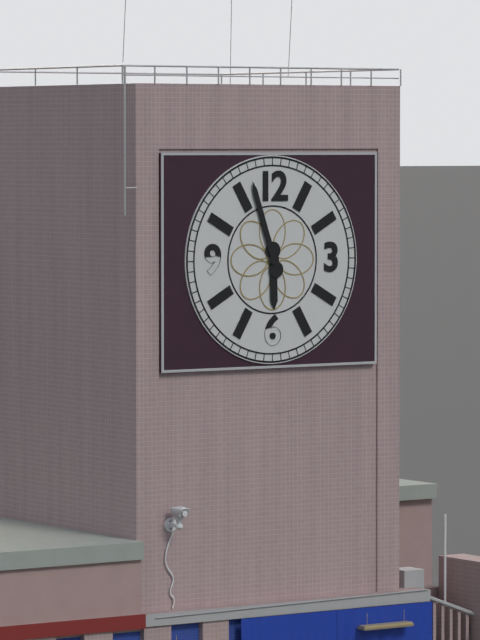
5.57
